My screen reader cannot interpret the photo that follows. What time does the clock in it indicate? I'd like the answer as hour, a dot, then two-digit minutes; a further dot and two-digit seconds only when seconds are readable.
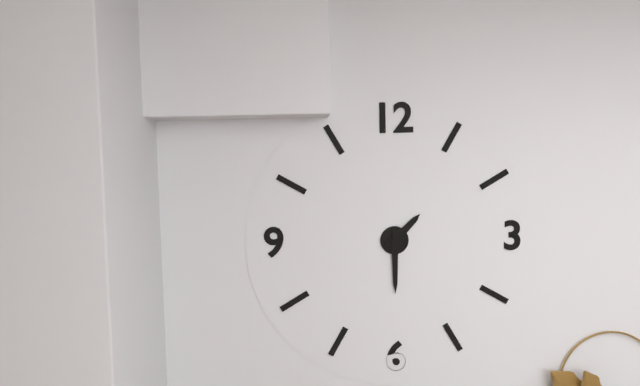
1.30
